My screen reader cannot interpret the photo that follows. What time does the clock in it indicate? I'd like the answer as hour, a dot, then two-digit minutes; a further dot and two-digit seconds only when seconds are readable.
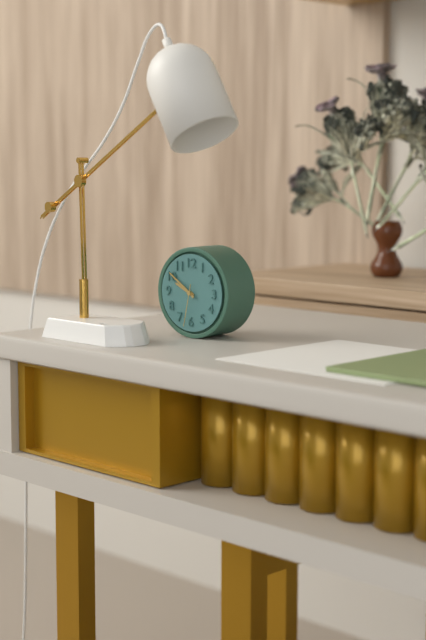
9.51
